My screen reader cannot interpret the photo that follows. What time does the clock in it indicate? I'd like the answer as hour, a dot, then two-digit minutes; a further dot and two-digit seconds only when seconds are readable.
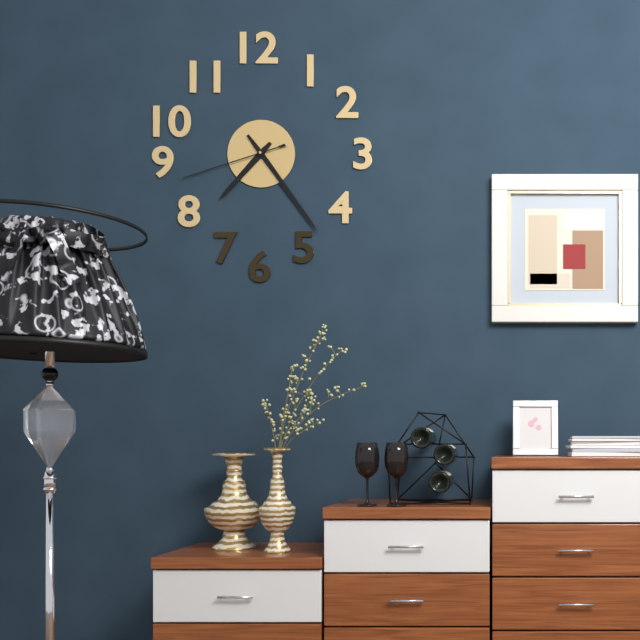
7.24.42
